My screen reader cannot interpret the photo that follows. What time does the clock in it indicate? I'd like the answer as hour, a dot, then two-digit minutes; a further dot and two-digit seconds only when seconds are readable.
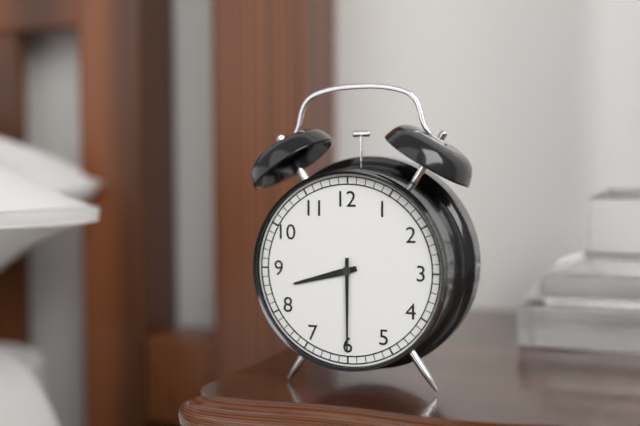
8.30
